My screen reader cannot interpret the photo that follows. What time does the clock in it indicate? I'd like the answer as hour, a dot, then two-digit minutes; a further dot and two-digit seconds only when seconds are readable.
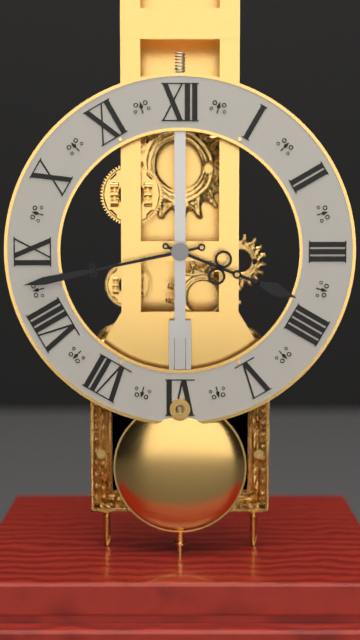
3.43
